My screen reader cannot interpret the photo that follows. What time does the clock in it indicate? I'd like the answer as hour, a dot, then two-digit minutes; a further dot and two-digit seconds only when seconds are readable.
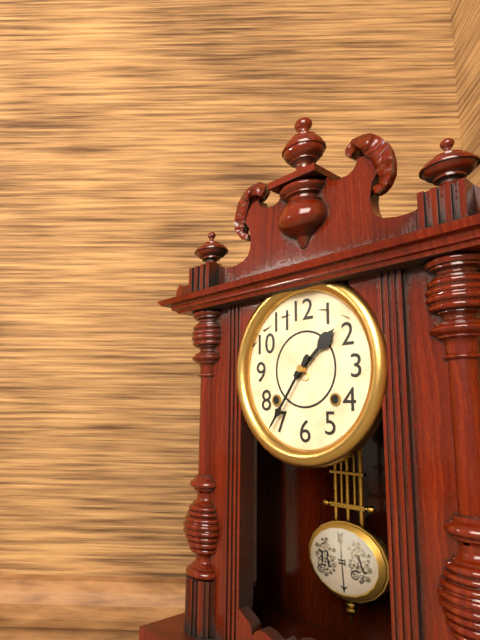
1.36
